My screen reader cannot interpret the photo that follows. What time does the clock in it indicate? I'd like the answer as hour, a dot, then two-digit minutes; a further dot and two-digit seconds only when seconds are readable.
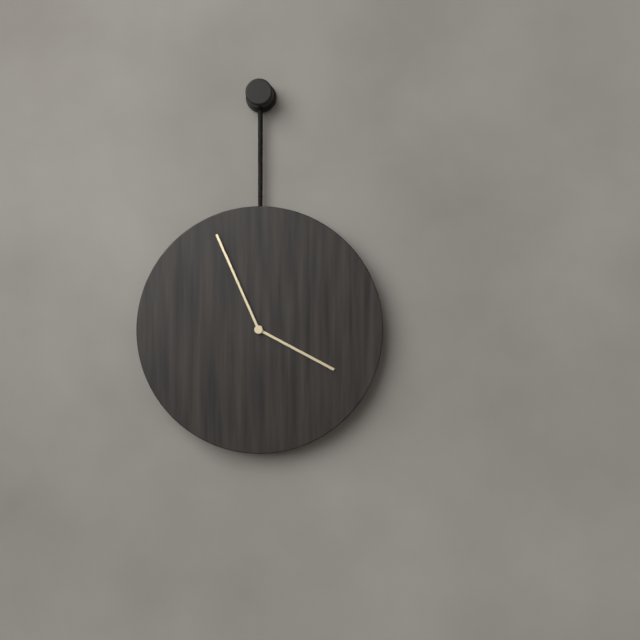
3.56
